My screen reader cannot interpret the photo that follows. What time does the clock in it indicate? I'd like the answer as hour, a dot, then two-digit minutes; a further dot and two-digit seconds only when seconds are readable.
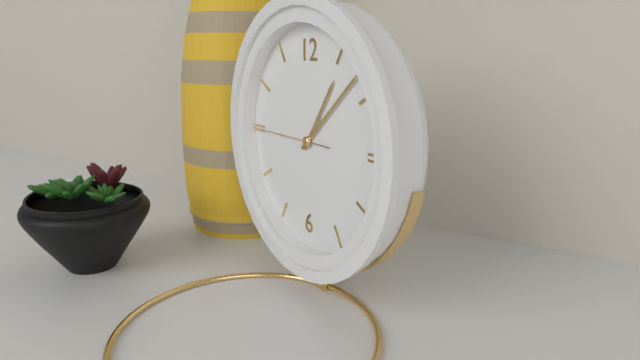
1.08.45
